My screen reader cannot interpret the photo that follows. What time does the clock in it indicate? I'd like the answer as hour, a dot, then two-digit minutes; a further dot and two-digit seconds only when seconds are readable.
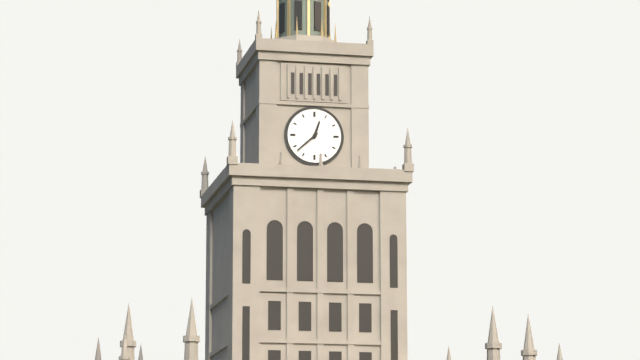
12.38
